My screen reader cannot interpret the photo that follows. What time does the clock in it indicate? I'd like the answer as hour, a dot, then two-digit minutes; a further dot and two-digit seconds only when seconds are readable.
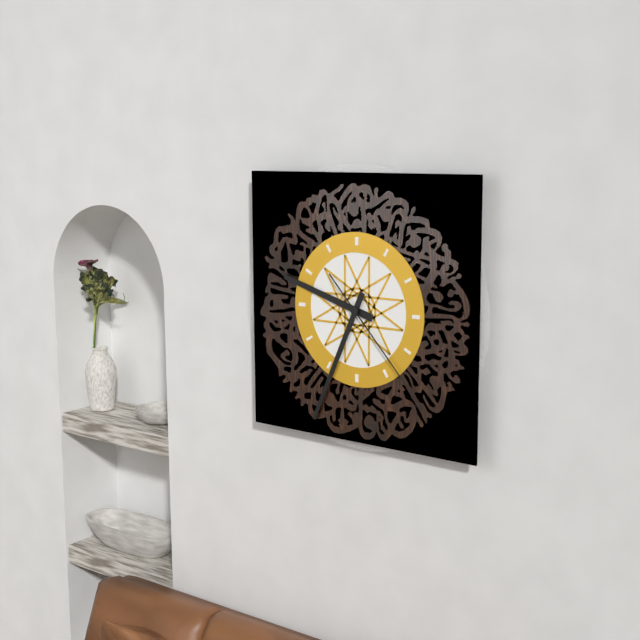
9.34.23
